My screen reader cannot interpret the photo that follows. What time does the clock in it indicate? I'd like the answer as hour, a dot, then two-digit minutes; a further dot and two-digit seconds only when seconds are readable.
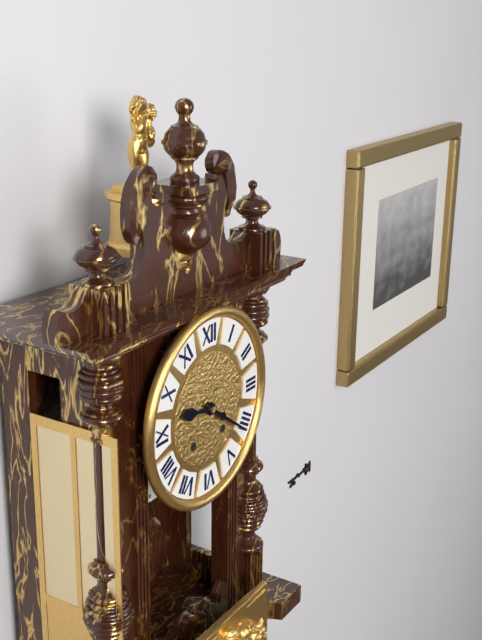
9.21
